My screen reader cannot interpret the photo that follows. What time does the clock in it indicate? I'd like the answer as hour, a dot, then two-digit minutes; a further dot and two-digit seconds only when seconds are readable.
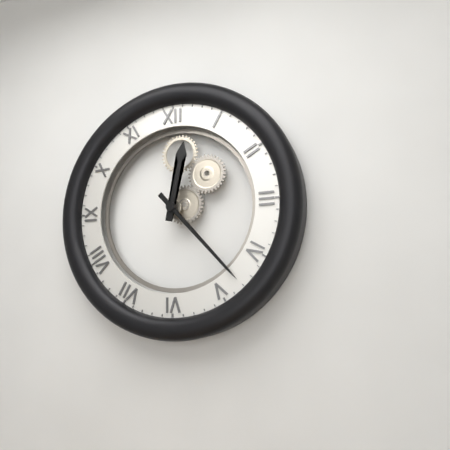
12.23
